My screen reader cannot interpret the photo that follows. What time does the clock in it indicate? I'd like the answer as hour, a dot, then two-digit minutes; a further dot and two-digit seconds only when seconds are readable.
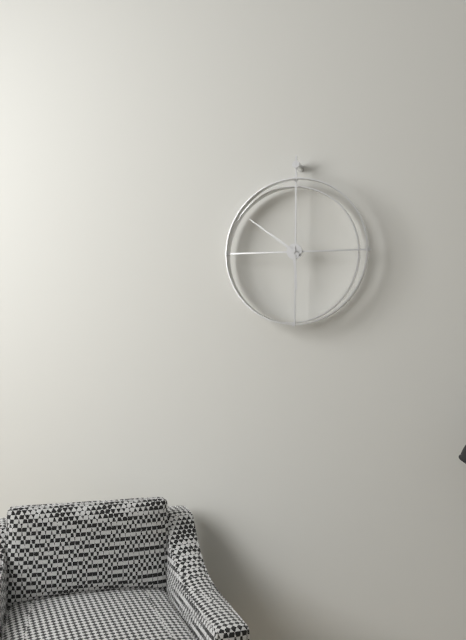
5.51
